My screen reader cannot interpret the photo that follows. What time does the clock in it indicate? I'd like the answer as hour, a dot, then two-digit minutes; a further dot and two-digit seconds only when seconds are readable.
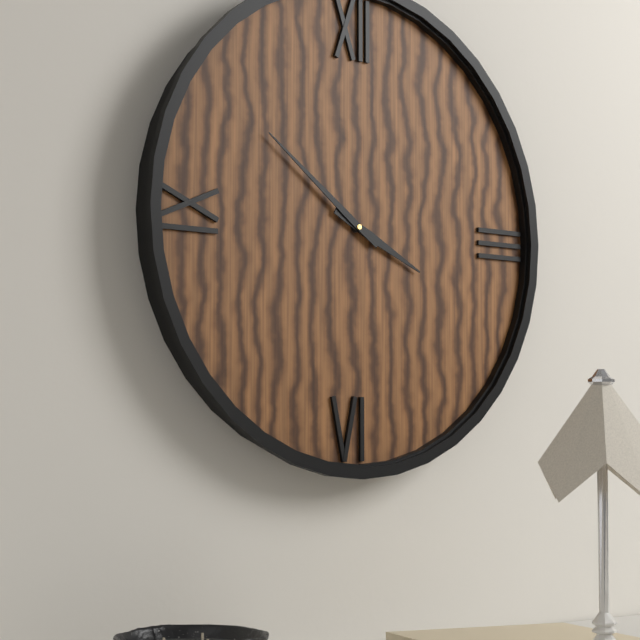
3.51
